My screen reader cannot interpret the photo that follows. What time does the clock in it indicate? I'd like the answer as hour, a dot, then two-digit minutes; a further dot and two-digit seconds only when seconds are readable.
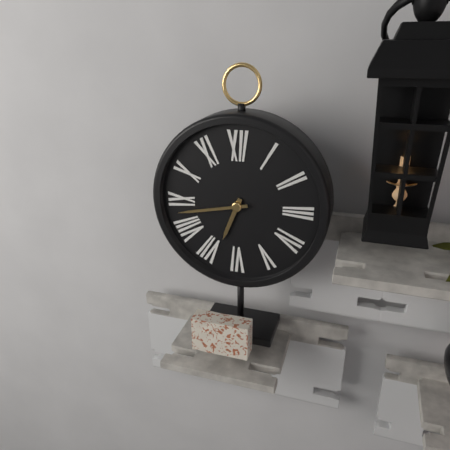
6.43
